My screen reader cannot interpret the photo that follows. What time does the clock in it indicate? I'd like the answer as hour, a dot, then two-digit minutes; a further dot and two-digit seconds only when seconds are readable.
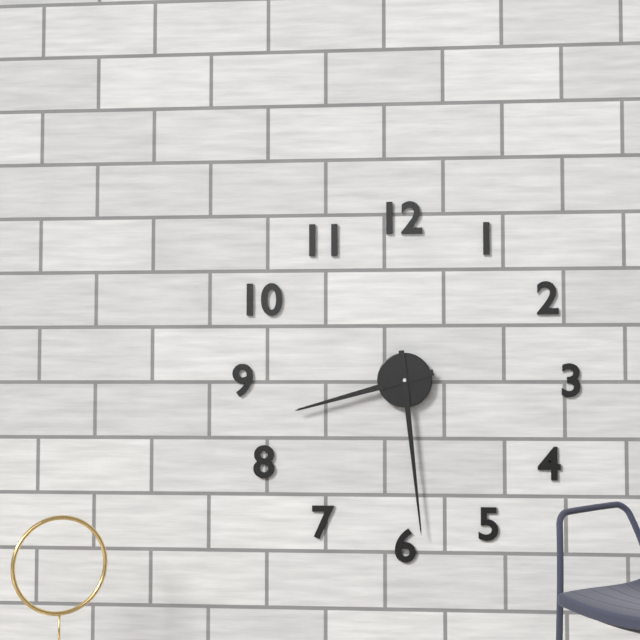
8.29
